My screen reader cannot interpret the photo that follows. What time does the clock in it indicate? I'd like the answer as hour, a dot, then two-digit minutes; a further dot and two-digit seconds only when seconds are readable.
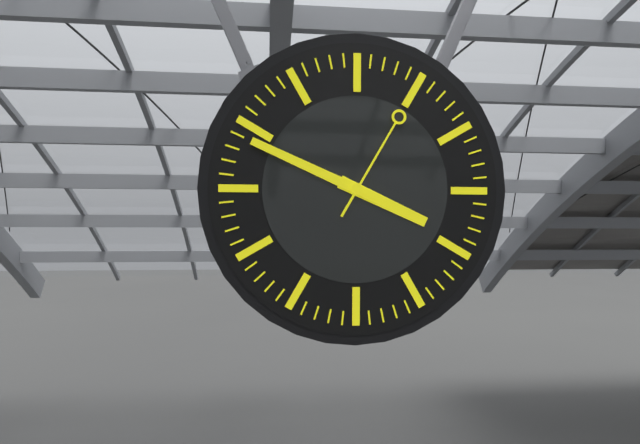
3.49.05
